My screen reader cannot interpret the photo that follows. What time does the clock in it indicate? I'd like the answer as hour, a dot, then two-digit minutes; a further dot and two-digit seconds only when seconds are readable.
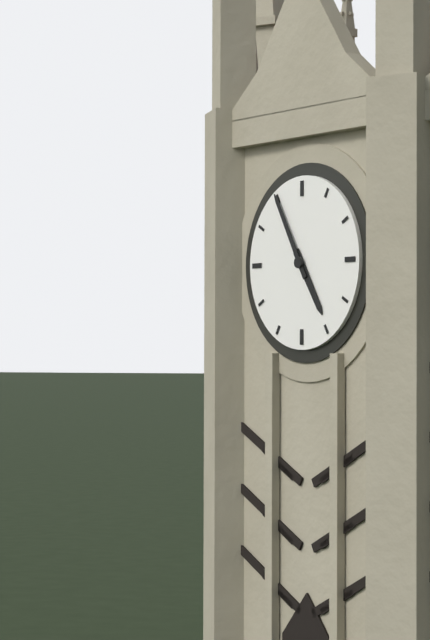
4.55
